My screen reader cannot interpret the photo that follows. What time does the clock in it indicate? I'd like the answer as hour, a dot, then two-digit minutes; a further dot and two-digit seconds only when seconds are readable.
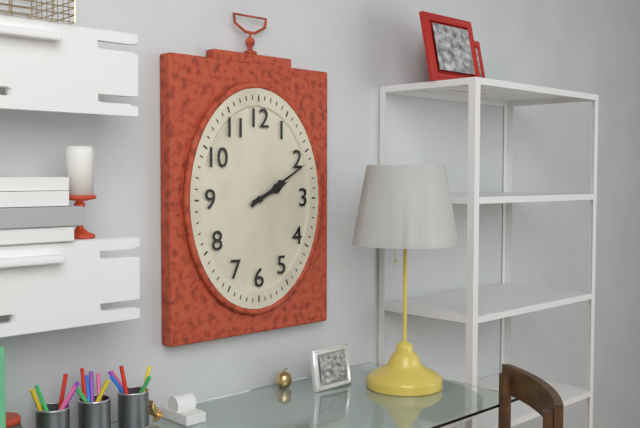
2.10
